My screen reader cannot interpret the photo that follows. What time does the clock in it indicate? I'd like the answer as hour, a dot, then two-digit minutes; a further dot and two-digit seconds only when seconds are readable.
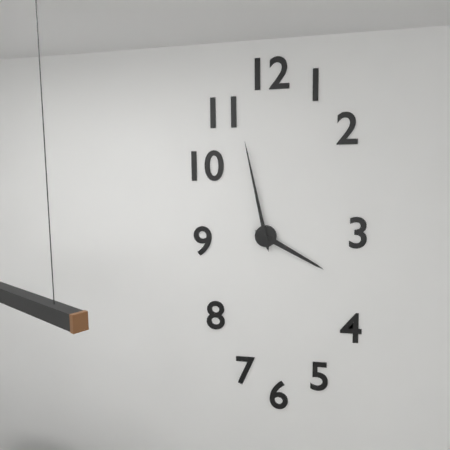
3.58
